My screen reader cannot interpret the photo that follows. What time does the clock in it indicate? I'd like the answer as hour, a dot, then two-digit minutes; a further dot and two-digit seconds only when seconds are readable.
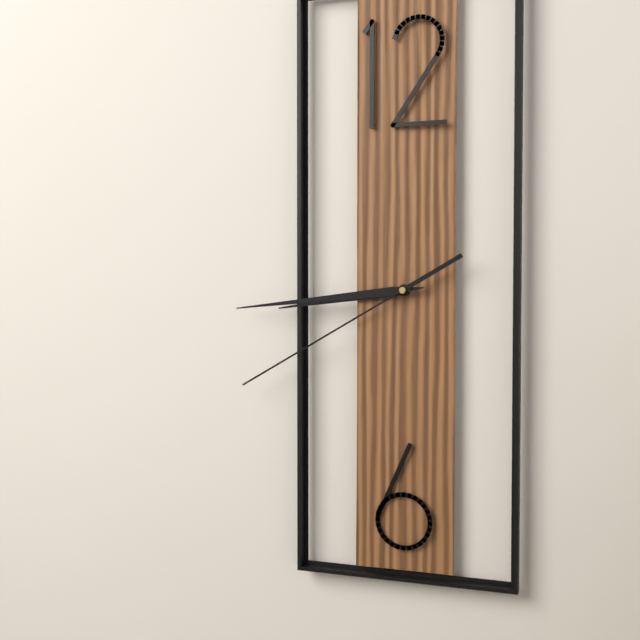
8.44.40
